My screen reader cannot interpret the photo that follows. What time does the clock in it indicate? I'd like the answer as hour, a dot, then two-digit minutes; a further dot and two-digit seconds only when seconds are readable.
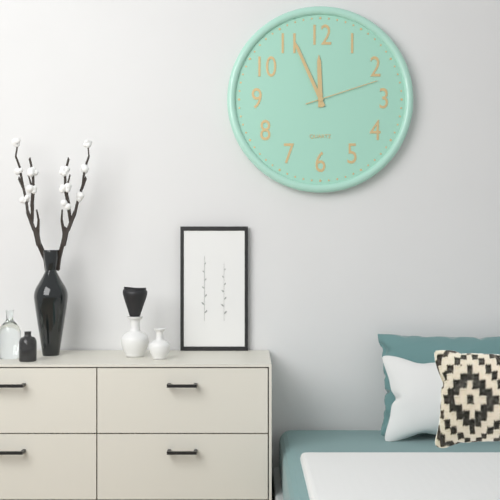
11.56.12
